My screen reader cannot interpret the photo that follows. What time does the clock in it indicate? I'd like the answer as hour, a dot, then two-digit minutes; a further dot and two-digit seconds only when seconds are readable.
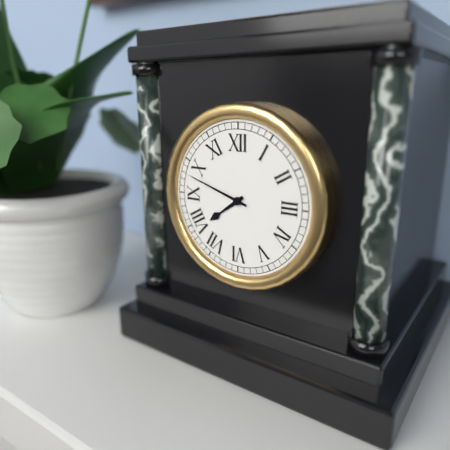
7.48
